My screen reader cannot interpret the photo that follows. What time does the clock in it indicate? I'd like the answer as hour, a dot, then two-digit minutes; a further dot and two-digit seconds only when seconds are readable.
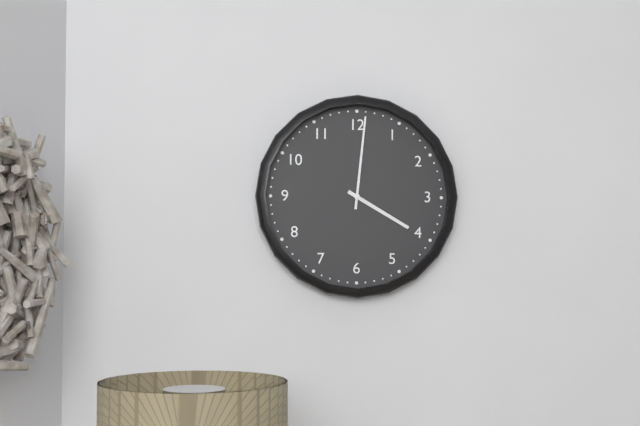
4.01
